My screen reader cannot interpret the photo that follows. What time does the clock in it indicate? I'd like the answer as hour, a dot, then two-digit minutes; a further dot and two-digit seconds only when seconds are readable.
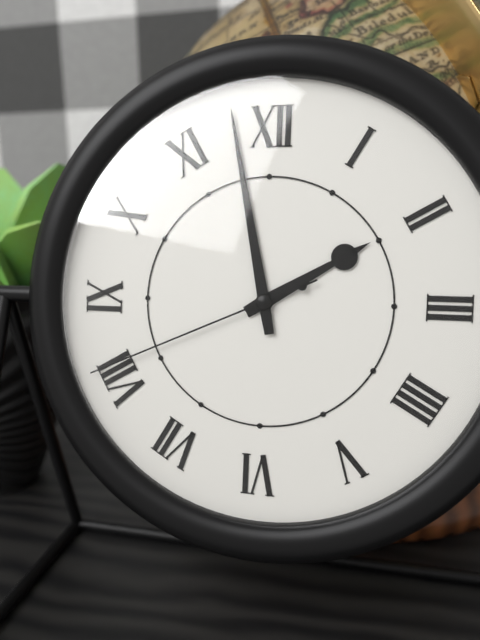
1.58.41
